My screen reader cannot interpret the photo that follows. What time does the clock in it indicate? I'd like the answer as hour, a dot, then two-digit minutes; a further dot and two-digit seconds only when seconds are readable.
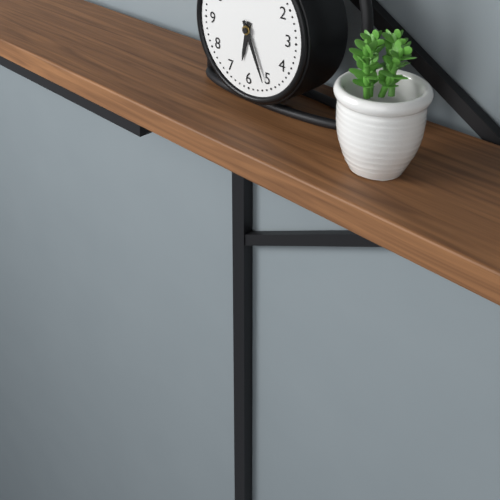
6.26
